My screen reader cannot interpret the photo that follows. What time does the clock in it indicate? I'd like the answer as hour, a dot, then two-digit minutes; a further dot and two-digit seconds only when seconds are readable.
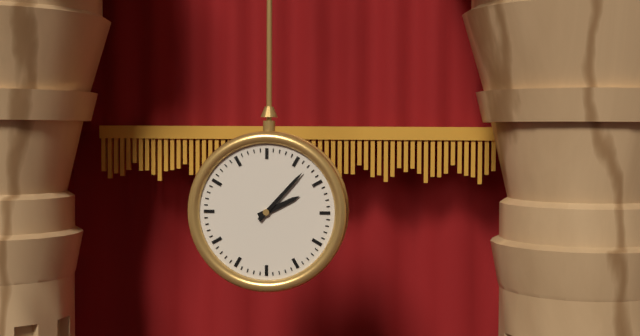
2.07
